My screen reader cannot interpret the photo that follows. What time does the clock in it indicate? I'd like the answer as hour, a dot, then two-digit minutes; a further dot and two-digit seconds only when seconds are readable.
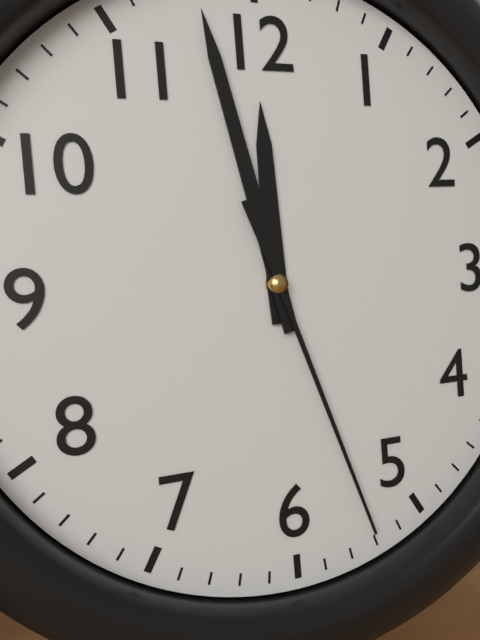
11.58.27
